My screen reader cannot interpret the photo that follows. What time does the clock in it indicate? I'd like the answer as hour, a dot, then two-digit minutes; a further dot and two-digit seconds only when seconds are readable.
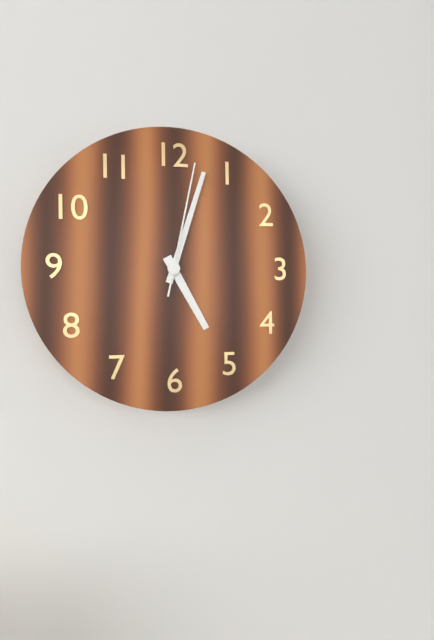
5.03.02
